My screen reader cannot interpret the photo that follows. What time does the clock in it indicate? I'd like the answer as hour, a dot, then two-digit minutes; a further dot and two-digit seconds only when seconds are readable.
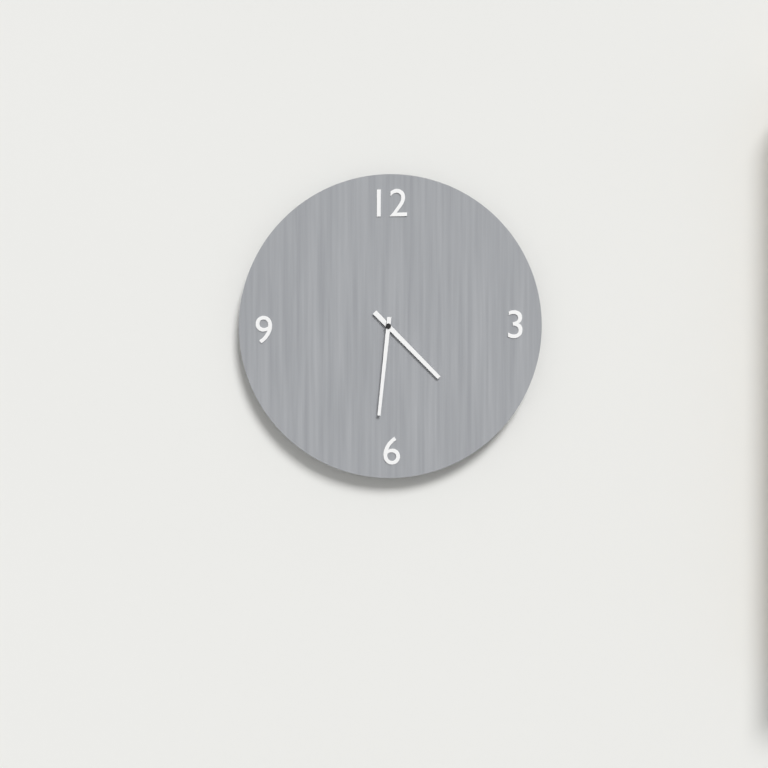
4.31
